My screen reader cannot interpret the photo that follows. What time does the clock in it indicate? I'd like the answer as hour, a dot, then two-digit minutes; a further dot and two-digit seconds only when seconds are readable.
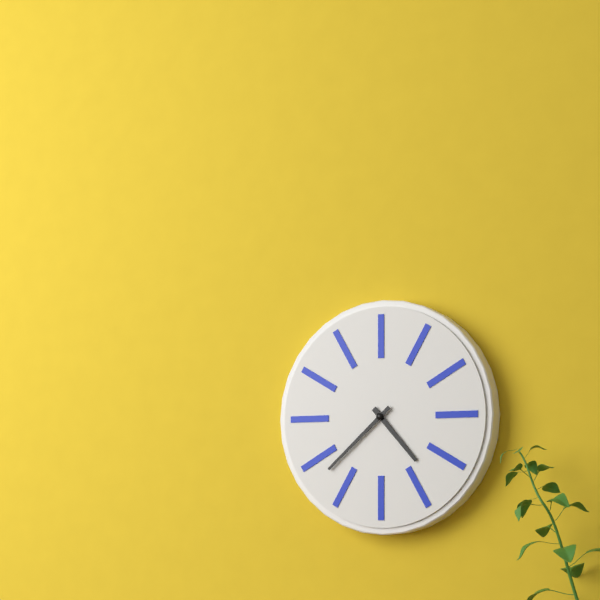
4.38
